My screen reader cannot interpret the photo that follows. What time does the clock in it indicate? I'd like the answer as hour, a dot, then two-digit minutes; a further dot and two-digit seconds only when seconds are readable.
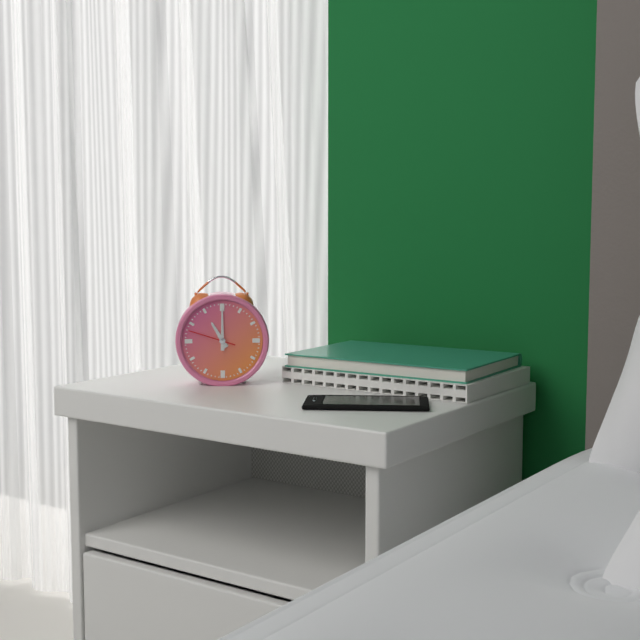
11.00
